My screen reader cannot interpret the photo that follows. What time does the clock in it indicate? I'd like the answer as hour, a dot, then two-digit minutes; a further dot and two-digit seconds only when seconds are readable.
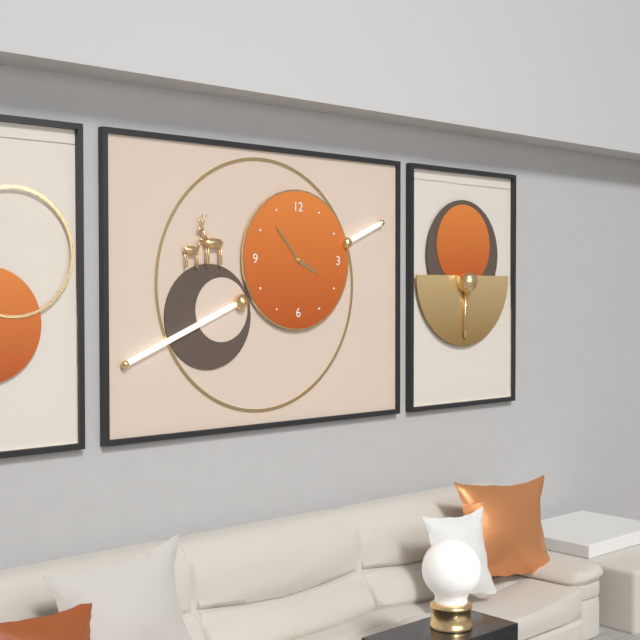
3.53
